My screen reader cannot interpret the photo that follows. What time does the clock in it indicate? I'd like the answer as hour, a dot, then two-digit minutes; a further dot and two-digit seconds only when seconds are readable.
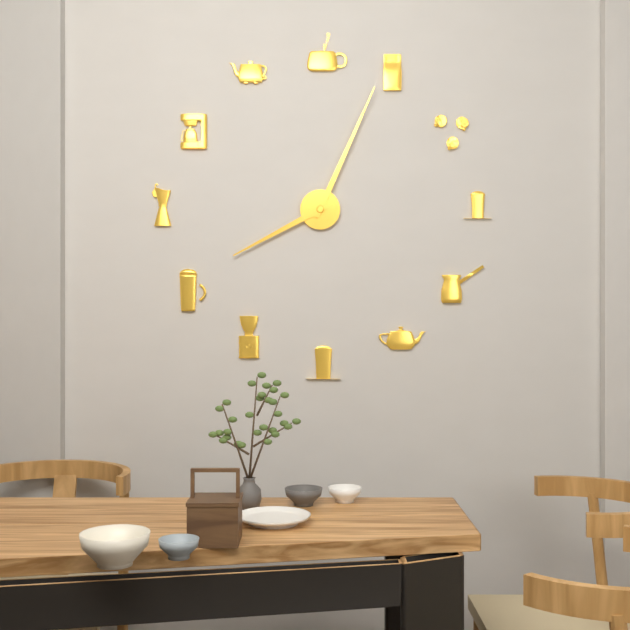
8.04
